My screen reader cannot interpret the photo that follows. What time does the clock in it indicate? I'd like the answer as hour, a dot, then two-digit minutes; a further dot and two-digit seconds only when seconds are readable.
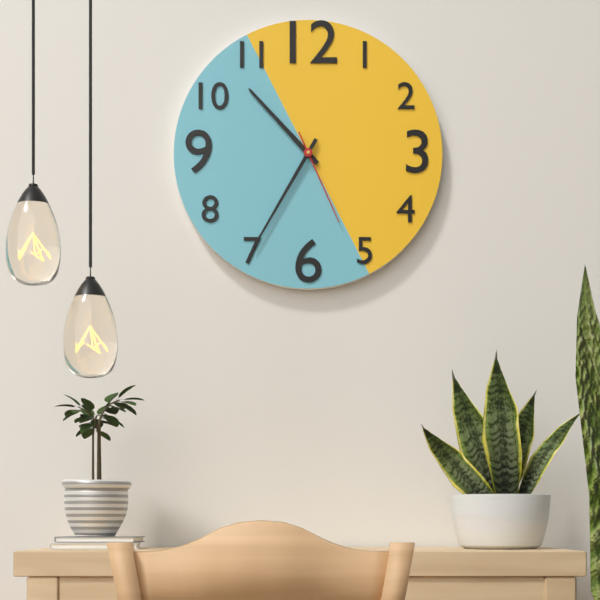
10.35.26
